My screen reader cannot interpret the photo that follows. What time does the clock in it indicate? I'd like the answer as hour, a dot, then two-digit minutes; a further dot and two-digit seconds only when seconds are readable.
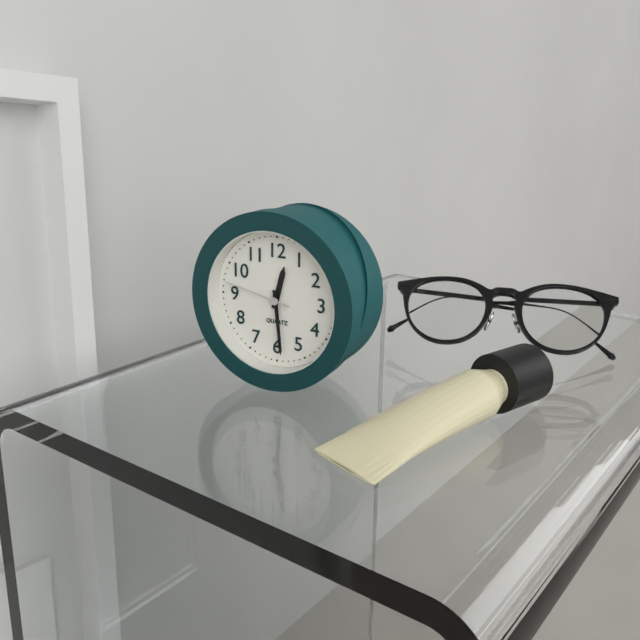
12.29.47
